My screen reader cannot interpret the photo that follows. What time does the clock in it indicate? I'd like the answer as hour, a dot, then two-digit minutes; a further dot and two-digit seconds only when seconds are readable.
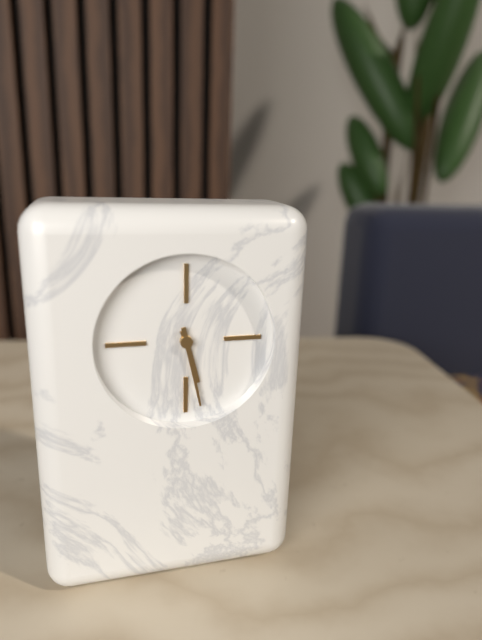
5.28
